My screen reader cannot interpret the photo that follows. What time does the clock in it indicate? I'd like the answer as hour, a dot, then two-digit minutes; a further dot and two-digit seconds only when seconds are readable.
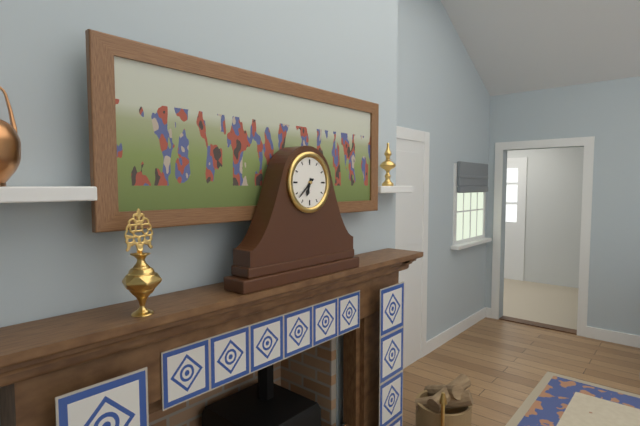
6.38
